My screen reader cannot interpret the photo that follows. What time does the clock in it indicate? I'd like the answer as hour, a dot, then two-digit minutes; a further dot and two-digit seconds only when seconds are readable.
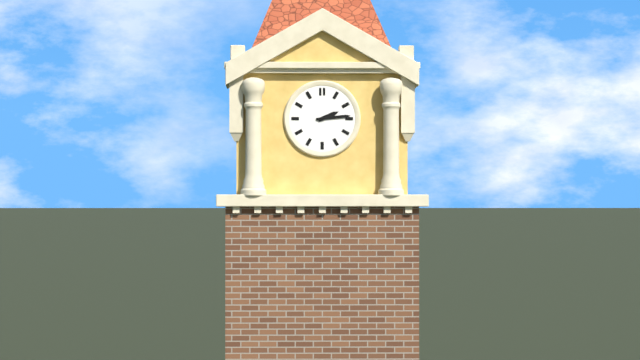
2.14
